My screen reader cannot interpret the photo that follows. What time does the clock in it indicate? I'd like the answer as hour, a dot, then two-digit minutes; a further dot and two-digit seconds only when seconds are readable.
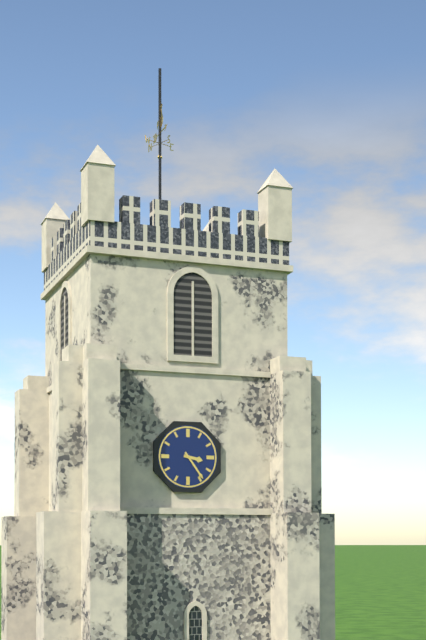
3.24
